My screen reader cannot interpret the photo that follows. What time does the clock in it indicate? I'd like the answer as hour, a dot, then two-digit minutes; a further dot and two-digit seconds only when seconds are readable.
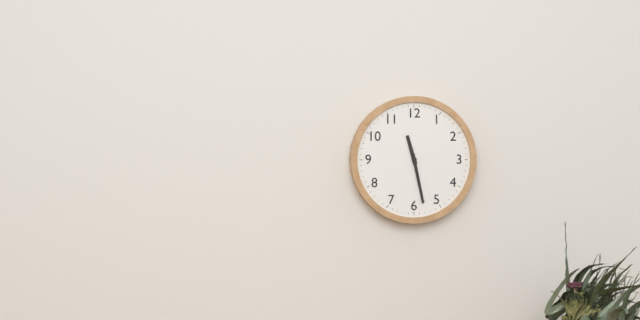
11.28
